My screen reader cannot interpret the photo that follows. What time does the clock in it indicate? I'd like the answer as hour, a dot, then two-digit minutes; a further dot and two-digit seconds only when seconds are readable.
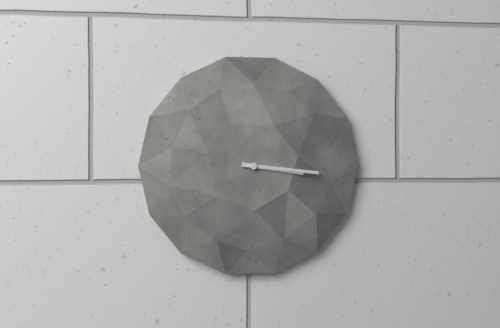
3.16
